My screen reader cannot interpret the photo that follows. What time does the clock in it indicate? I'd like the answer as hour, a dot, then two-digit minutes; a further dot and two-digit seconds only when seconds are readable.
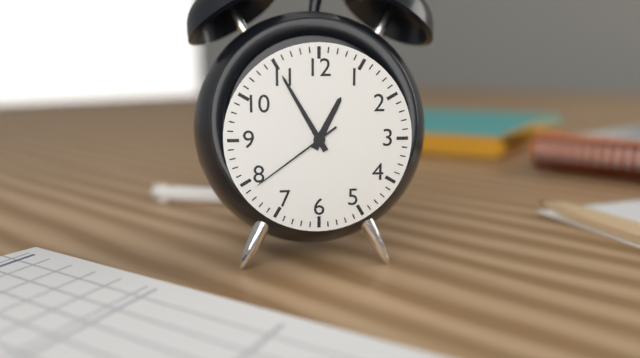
12.55.39
